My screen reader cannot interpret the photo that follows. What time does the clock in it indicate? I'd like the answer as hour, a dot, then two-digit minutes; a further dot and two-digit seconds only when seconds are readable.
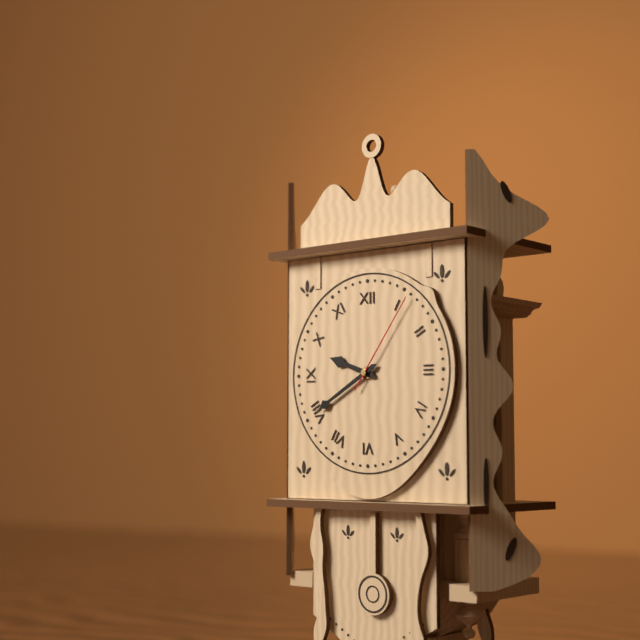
9.40.06
